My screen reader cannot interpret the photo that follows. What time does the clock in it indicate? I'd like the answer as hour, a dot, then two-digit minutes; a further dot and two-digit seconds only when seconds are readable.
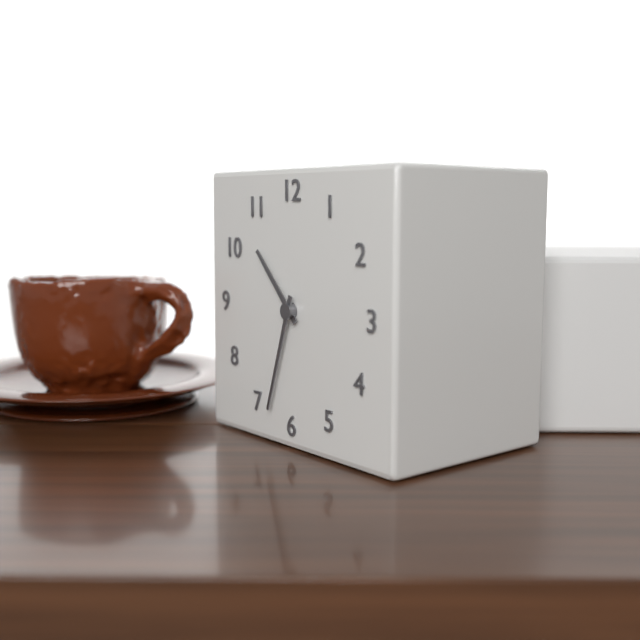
10.33
